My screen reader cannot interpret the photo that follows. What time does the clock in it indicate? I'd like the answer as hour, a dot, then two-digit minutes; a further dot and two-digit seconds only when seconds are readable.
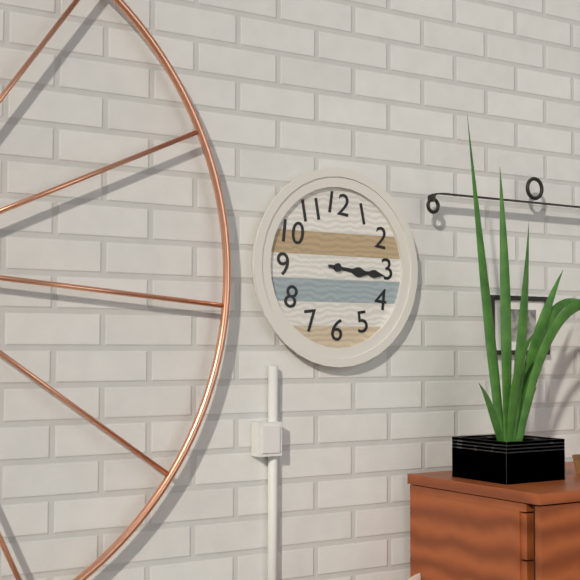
3.16
